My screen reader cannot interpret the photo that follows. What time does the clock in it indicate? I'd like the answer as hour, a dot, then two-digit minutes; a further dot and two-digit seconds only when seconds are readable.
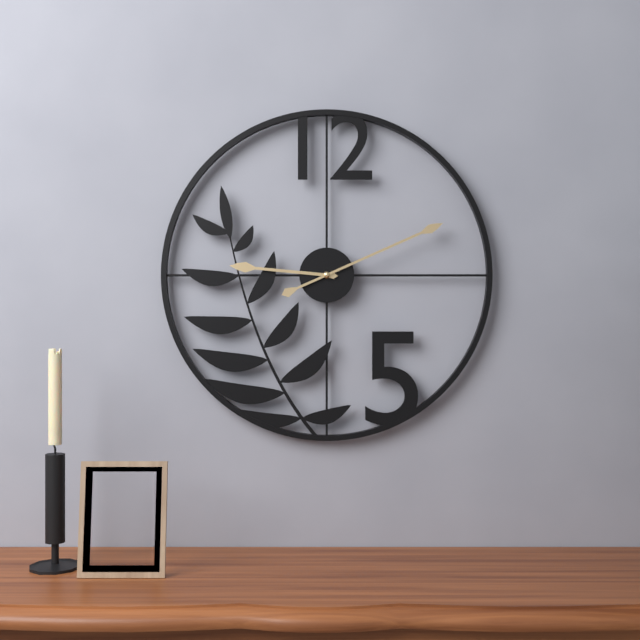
9.11
